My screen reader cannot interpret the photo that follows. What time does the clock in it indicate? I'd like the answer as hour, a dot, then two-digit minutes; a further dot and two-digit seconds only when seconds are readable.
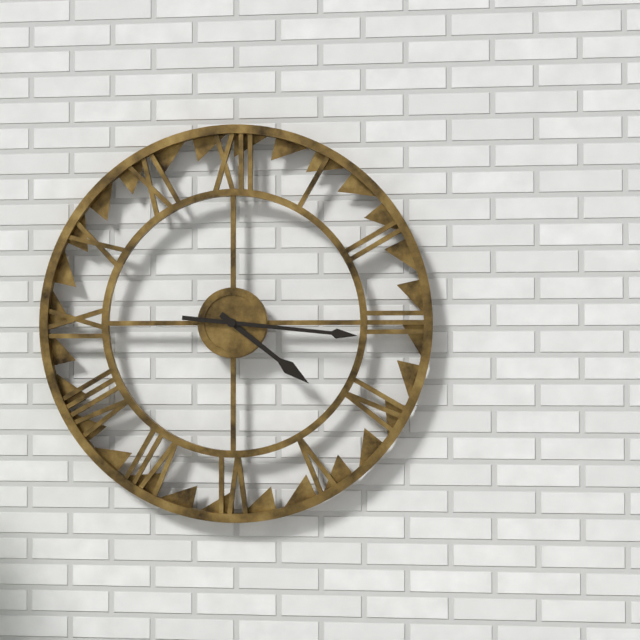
4.16
